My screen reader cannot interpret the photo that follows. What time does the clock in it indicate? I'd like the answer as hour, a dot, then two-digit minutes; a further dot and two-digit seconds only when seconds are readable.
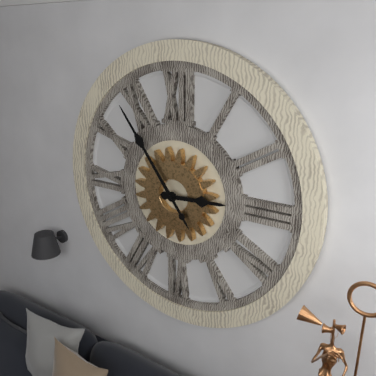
2.54
